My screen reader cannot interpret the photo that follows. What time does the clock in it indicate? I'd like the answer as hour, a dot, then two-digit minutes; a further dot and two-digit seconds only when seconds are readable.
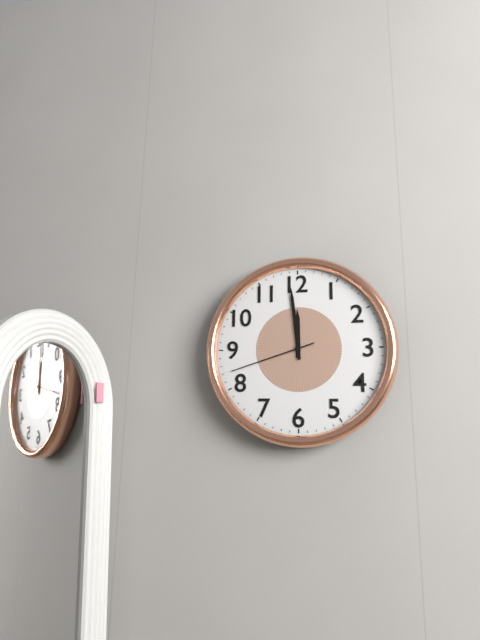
11.59.42
